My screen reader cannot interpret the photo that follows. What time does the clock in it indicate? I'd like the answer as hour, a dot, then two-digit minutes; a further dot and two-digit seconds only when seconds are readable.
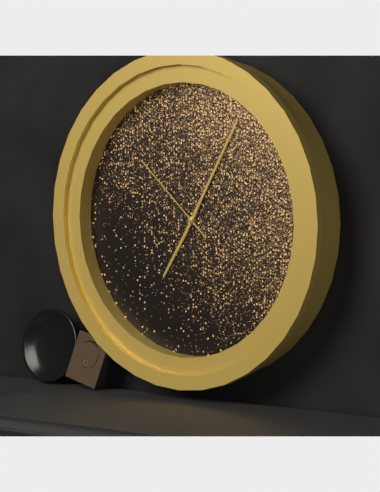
7.05.52
